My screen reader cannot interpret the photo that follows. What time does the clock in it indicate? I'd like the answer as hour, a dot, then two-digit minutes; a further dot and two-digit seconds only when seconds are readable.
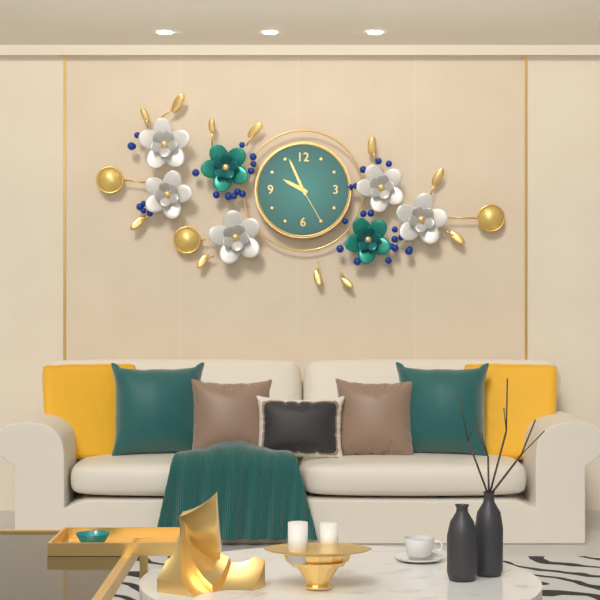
9.56
